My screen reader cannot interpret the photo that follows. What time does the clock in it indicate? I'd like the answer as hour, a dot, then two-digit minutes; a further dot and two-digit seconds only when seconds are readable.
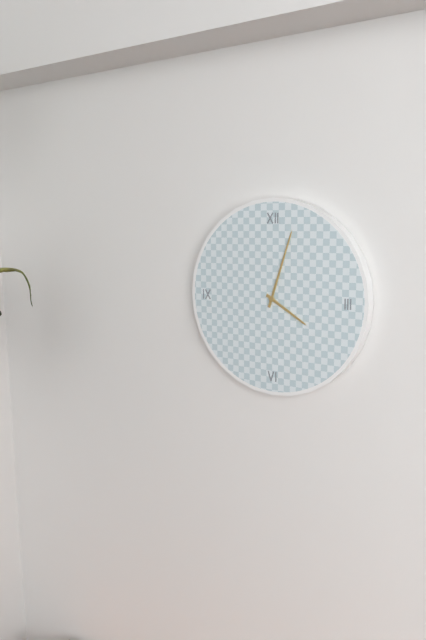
4.03
